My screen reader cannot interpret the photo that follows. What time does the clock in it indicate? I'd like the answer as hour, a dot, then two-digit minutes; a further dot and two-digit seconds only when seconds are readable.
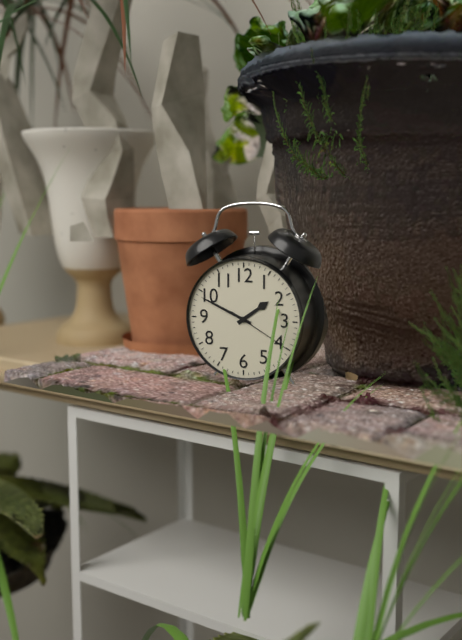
1.49.20
